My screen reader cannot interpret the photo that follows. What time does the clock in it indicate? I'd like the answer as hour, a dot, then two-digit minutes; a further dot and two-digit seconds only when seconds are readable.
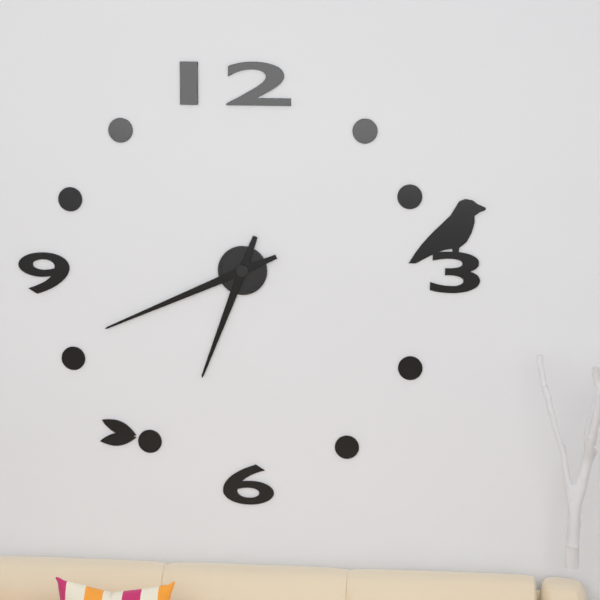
6.41
